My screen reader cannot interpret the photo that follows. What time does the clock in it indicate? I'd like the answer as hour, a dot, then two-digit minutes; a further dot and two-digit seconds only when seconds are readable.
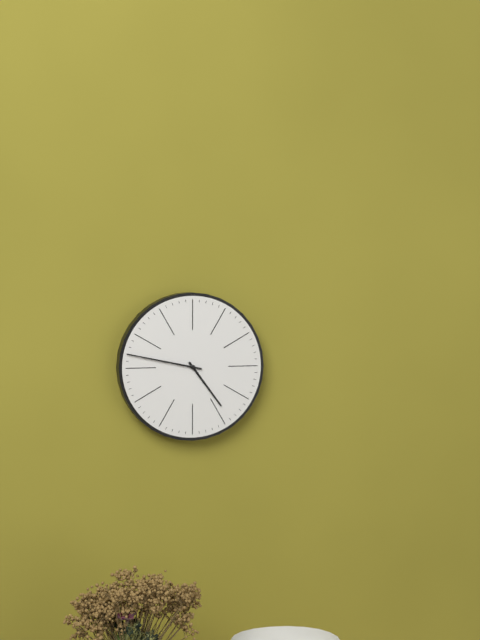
4.47
